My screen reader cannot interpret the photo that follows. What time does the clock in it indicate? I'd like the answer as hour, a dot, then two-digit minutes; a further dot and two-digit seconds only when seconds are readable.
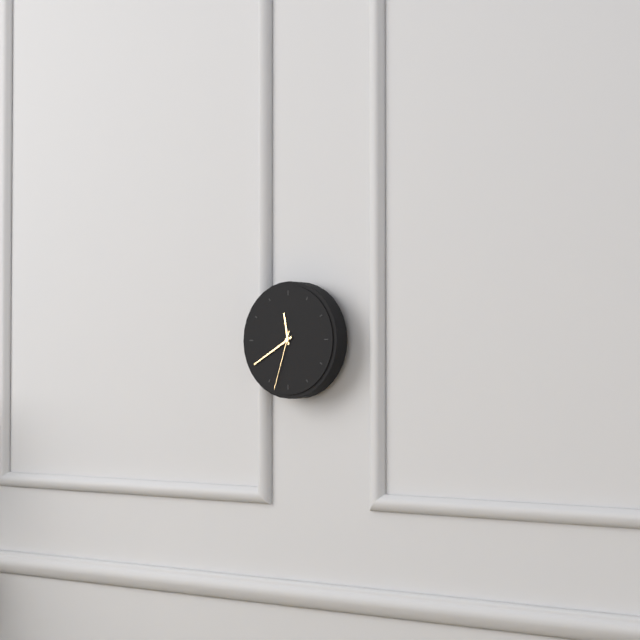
11.40.33
